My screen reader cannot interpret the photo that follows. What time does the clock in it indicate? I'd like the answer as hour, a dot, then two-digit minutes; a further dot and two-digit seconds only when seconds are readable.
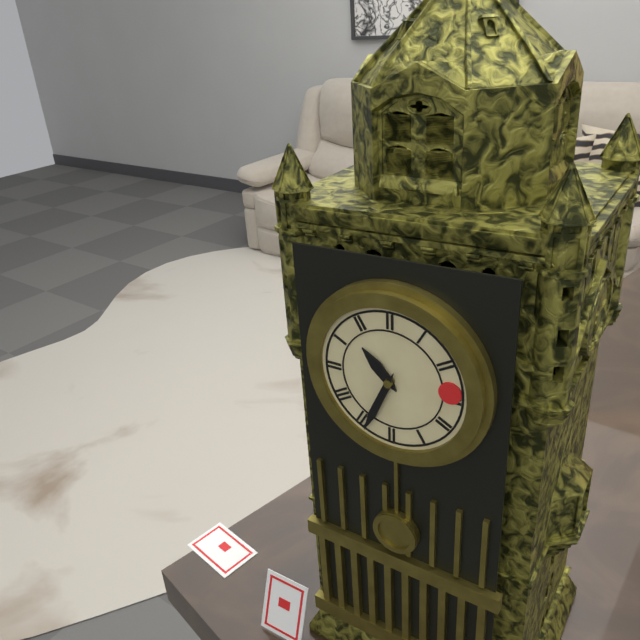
10.34
